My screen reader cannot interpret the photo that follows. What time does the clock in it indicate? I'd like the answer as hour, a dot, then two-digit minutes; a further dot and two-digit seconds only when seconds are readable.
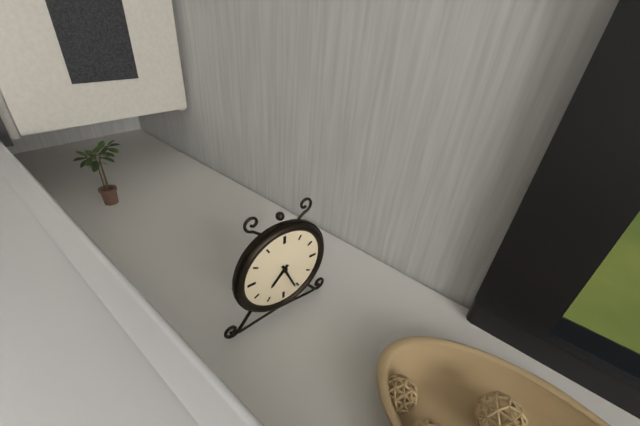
7.26
